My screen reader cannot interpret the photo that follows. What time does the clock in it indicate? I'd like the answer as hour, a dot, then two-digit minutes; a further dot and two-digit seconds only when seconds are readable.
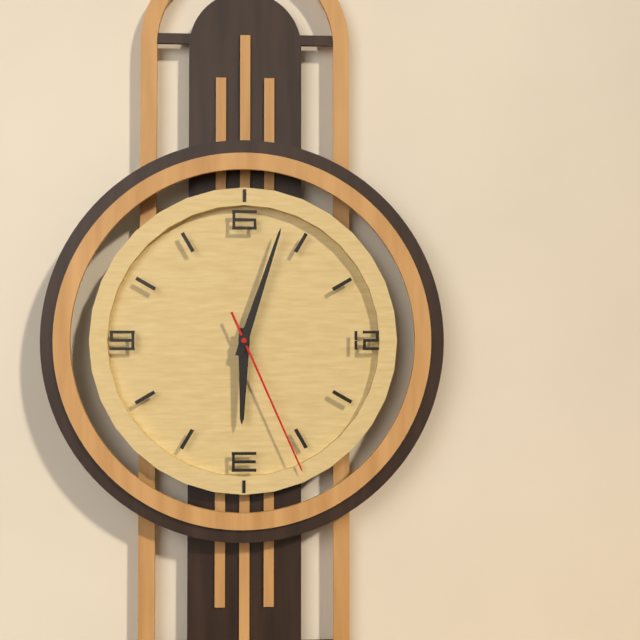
6.03.26
